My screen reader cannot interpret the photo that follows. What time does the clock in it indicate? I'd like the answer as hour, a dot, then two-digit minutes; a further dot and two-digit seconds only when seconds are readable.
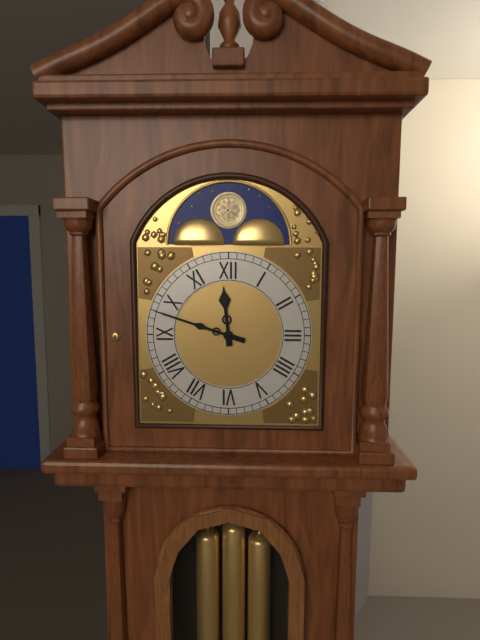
11.48
